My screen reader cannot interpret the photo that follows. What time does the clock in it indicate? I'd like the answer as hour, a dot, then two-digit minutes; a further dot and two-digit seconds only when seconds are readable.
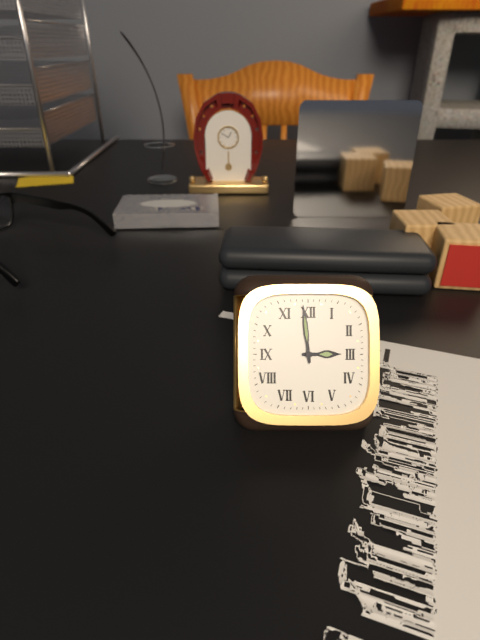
2.59
